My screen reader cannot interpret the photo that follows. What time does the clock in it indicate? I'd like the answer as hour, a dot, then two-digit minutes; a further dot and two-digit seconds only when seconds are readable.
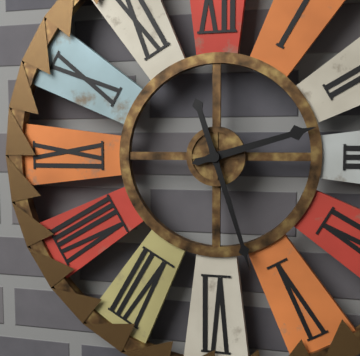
2.27
